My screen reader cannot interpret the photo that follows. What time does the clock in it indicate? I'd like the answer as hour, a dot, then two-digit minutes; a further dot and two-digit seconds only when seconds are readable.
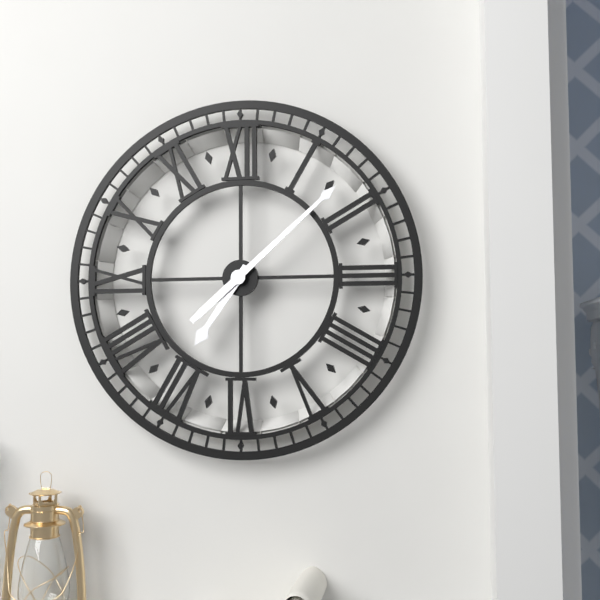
7.08
